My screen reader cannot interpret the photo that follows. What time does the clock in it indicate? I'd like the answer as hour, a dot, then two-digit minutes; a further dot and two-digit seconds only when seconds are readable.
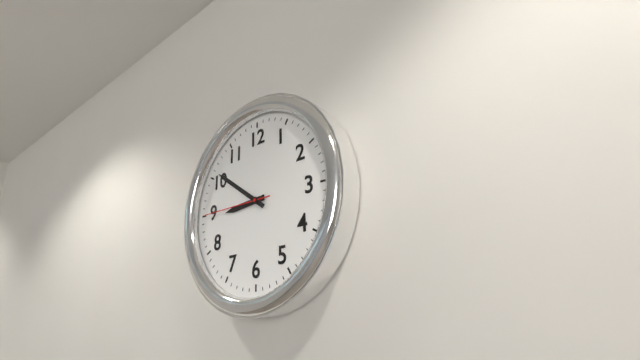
8.51.45
